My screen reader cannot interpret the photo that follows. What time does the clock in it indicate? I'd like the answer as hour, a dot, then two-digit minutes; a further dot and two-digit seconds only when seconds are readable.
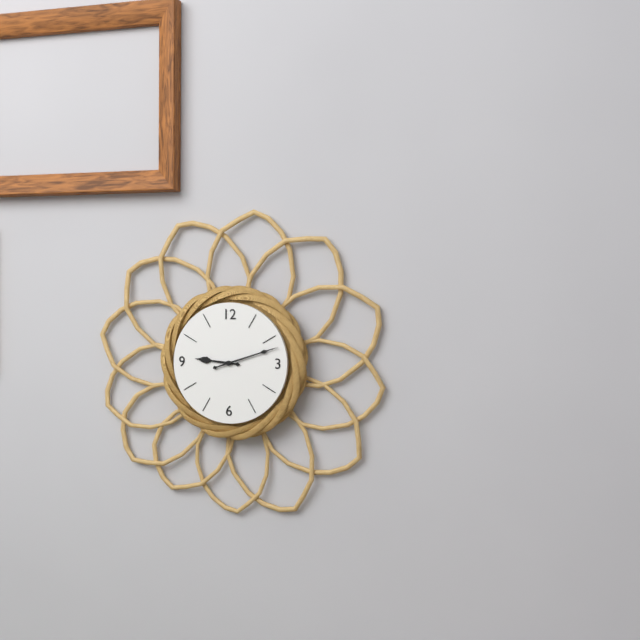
9.12
